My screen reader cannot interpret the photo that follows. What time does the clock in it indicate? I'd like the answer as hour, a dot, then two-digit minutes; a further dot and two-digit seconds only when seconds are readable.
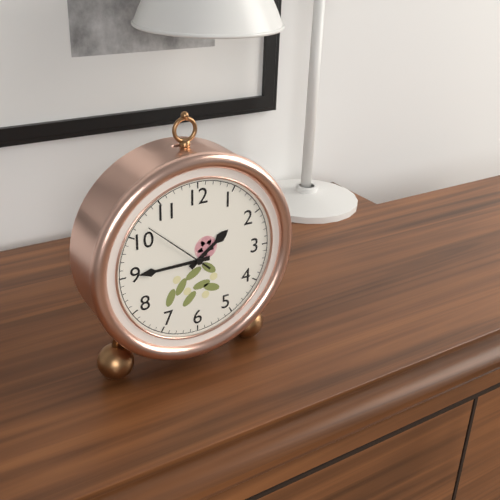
1.45.52
